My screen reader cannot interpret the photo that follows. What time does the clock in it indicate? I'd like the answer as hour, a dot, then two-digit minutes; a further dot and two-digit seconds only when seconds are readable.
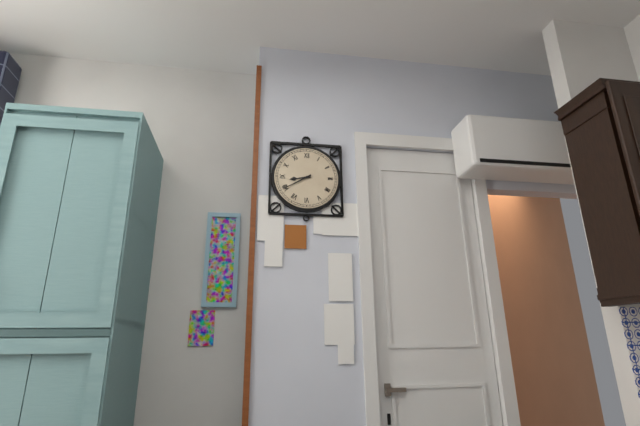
8.40
